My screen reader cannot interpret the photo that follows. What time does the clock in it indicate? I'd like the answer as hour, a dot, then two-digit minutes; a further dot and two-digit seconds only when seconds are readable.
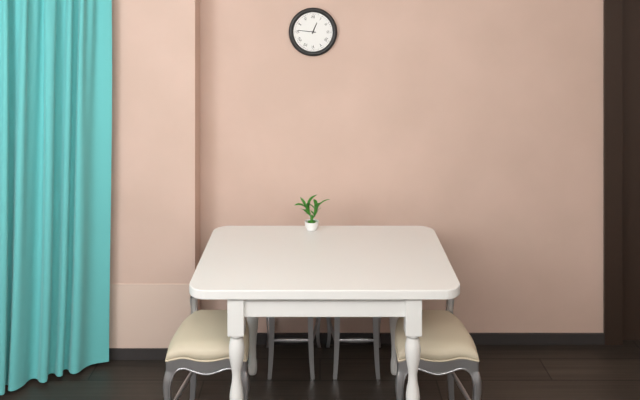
12.46
